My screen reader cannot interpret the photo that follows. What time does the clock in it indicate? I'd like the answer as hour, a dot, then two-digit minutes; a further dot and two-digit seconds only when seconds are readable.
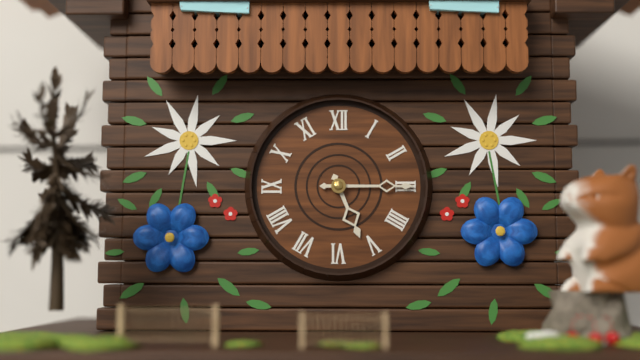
5.15
